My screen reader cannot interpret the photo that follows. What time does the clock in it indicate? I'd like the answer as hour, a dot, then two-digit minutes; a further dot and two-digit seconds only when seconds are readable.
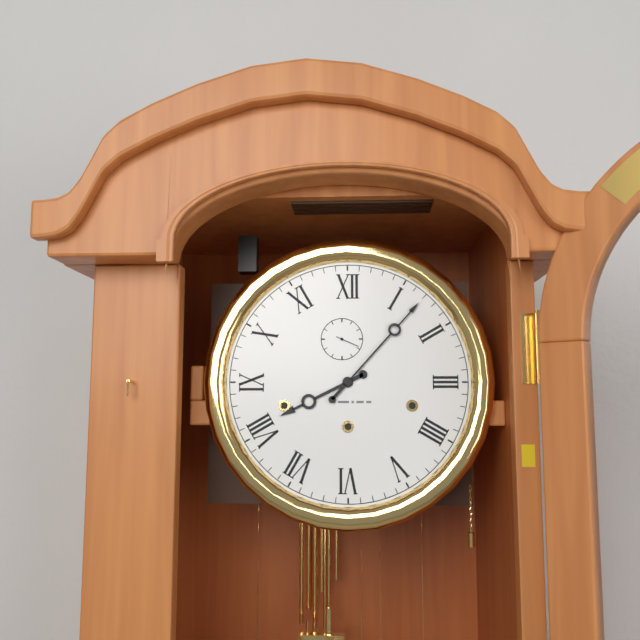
8.07
